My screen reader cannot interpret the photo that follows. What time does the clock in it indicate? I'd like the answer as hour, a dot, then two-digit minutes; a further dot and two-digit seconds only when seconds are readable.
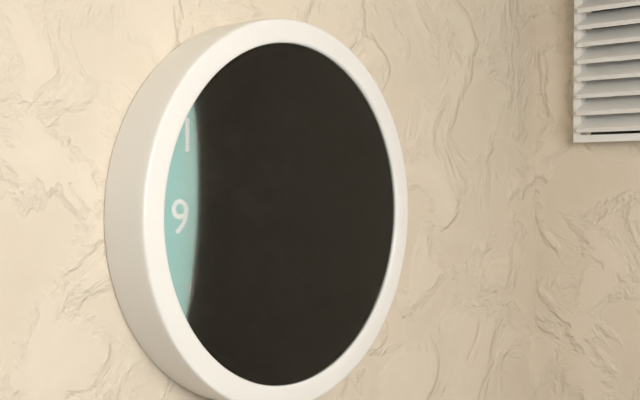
6.42.33
